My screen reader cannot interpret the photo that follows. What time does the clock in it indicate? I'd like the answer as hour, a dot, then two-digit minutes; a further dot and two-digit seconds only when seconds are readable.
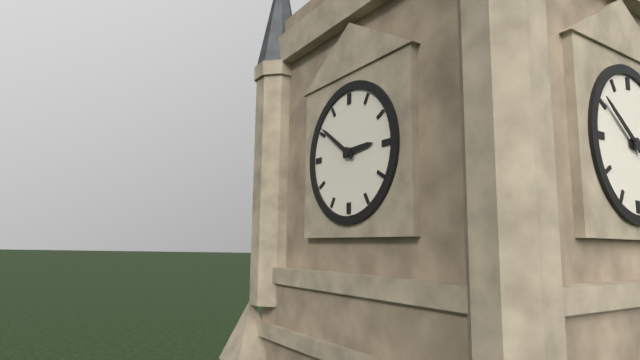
2.51
